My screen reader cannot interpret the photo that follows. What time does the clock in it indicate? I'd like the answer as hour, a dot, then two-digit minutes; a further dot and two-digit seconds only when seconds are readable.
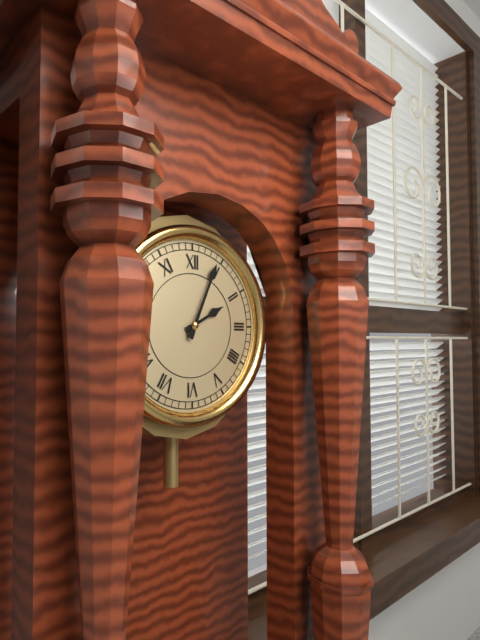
2.04
